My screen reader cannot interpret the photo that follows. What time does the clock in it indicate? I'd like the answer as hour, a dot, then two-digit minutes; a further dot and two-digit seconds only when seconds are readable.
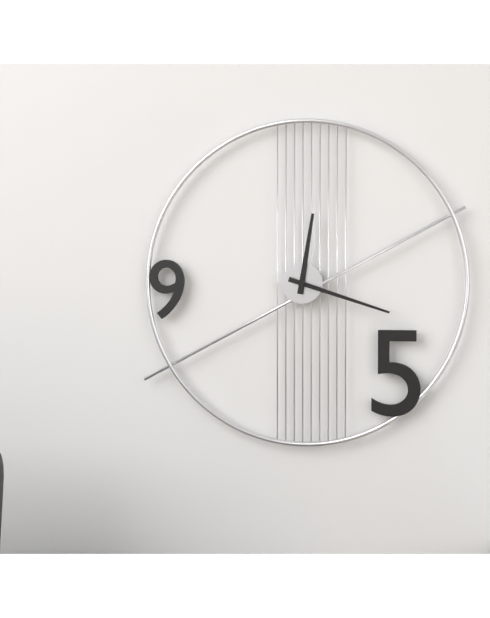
12.18
